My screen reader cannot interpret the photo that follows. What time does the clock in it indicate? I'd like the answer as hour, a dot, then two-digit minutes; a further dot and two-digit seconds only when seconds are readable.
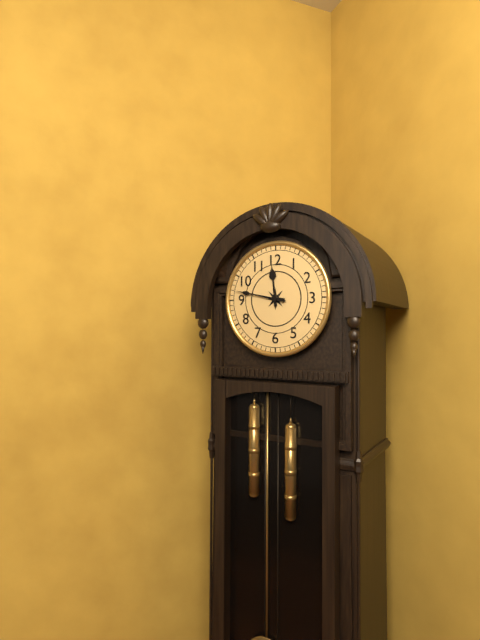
11.47
